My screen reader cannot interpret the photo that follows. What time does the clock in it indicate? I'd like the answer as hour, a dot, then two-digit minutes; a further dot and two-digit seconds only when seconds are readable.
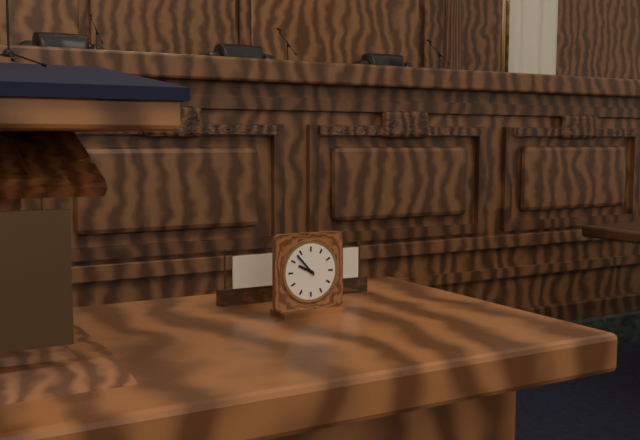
9.53
